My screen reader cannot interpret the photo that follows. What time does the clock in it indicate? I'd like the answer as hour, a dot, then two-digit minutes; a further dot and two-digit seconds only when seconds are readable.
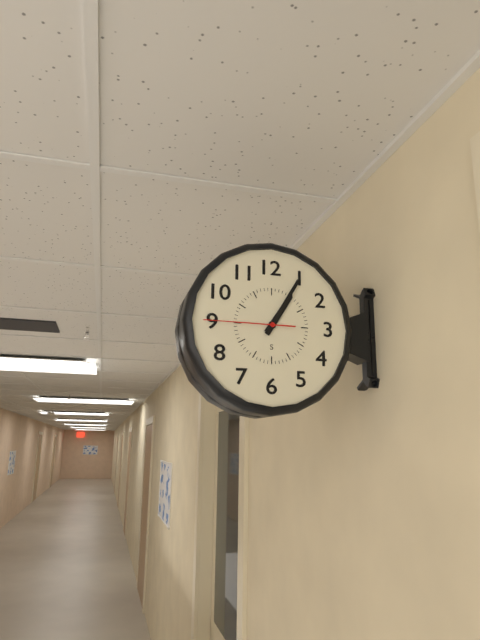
1.05.45
